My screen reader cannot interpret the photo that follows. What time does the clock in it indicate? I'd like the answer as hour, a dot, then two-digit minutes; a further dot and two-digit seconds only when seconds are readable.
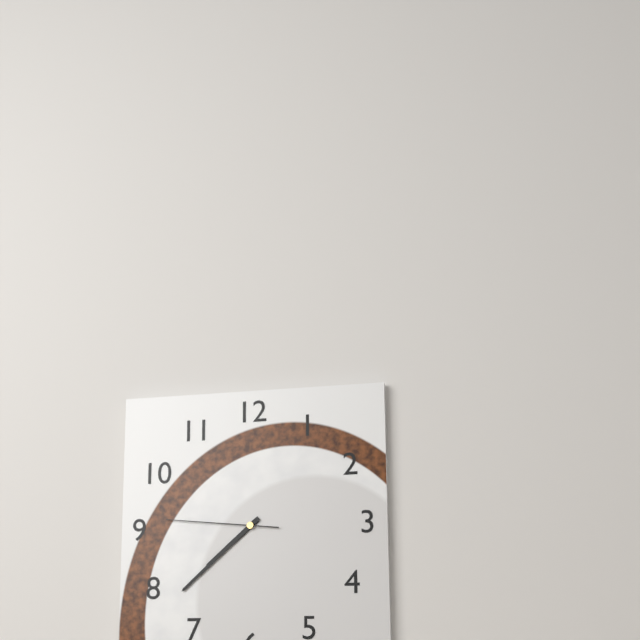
7.38.46
